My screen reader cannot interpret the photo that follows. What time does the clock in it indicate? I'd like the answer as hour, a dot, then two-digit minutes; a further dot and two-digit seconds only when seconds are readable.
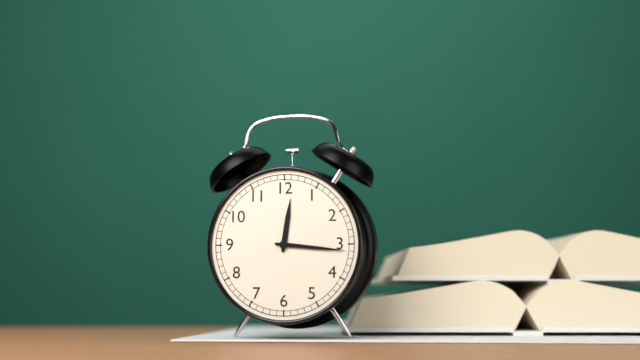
12.16
